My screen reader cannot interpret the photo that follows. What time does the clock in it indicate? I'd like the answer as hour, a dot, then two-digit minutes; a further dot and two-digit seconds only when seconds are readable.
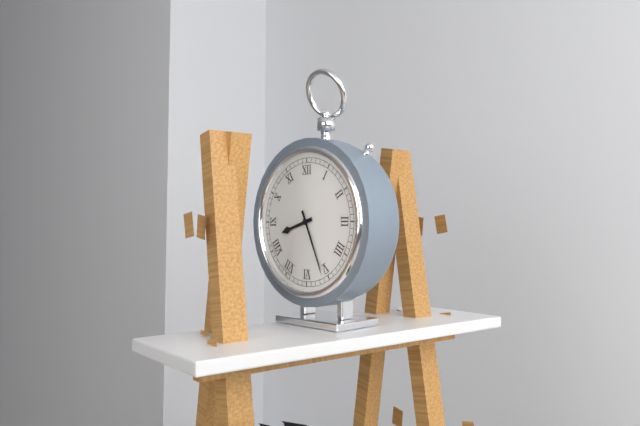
8.26
